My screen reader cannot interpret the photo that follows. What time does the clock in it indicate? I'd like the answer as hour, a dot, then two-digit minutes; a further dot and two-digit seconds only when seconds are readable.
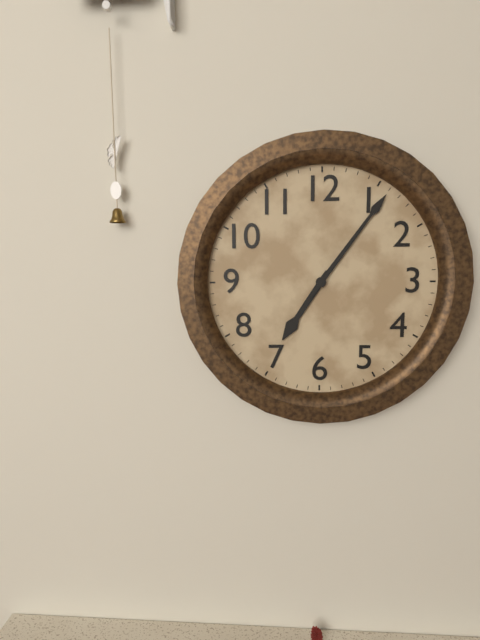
7.06
